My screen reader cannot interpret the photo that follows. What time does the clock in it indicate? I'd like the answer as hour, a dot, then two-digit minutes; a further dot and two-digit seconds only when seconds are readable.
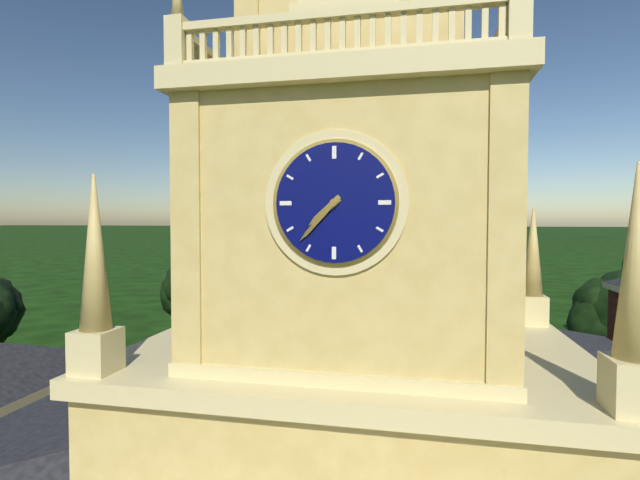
7.37
